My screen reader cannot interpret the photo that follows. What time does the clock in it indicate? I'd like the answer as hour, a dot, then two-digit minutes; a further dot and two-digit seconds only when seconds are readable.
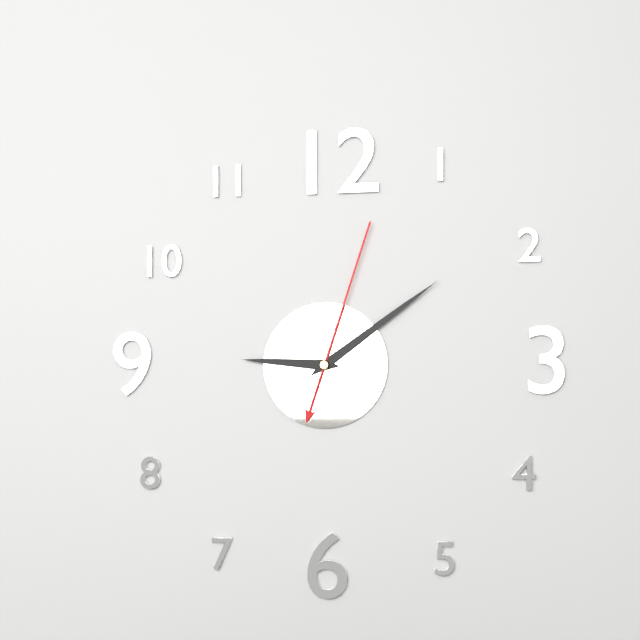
9.09.03
